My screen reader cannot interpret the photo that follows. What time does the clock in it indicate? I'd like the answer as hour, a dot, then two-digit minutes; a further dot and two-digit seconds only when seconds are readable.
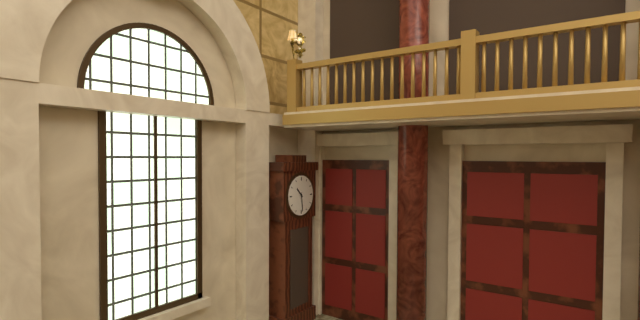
10.29
